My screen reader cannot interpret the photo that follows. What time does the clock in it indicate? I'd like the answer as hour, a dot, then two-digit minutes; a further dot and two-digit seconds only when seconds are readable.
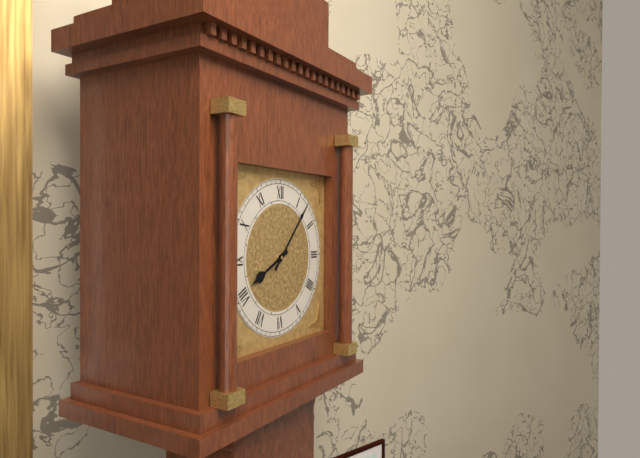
8.07
